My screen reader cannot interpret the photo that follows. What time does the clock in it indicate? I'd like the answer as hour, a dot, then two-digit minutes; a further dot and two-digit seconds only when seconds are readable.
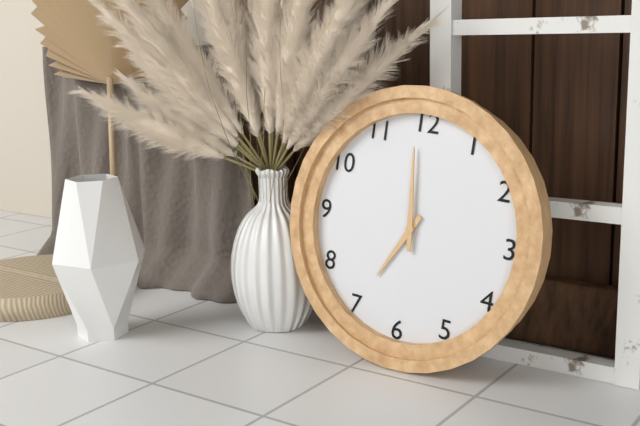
6.59
